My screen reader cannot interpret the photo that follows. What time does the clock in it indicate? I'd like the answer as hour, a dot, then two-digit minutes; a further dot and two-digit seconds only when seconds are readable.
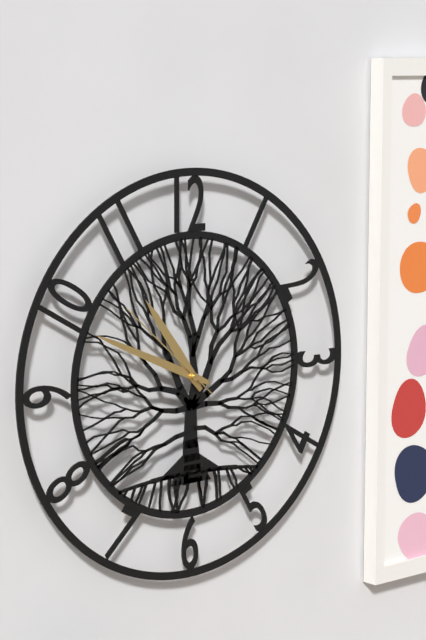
10.49.52
